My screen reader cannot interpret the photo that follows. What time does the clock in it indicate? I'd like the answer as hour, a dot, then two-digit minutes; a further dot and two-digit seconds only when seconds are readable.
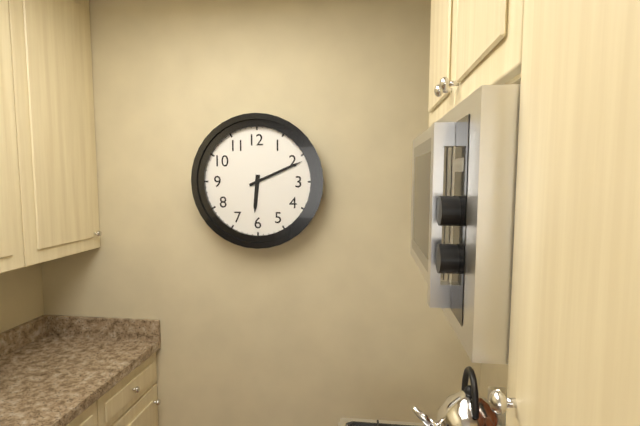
6.11
